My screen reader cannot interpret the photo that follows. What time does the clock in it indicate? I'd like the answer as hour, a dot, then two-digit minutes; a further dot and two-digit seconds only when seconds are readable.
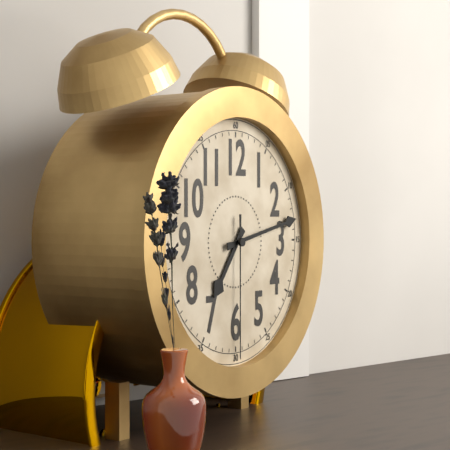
7.13.30
